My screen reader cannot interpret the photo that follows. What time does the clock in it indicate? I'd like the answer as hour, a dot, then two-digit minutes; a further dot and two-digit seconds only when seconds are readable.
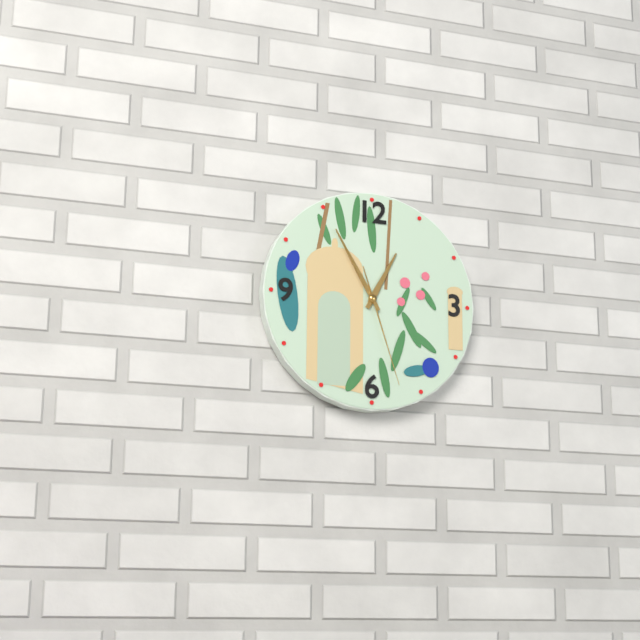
12.55.27
